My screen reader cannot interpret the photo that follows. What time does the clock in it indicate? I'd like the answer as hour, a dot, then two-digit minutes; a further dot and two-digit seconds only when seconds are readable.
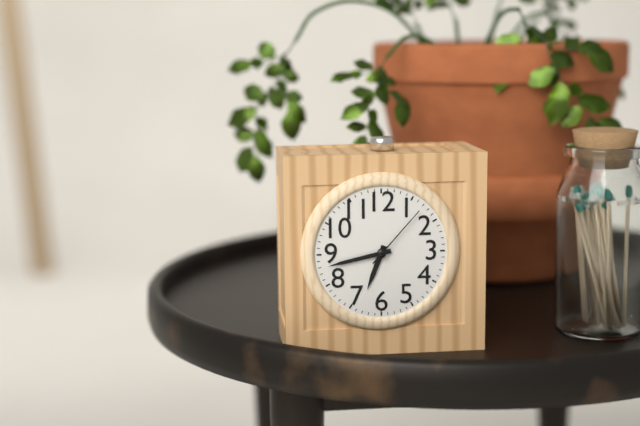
6.43.07
